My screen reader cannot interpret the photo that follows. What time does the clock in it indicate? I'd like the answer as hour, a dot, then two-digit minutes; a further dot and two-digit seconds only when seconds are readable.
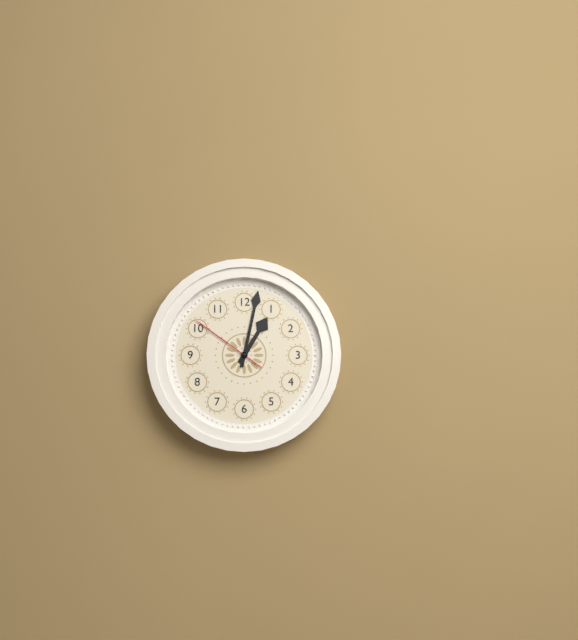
1.02.51
